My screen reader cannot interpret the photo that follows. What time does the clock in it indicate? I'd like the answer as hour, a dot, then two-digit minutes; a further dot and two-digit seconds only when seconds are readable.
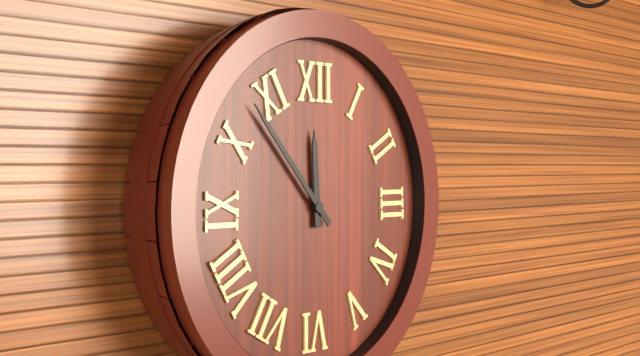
11.53
